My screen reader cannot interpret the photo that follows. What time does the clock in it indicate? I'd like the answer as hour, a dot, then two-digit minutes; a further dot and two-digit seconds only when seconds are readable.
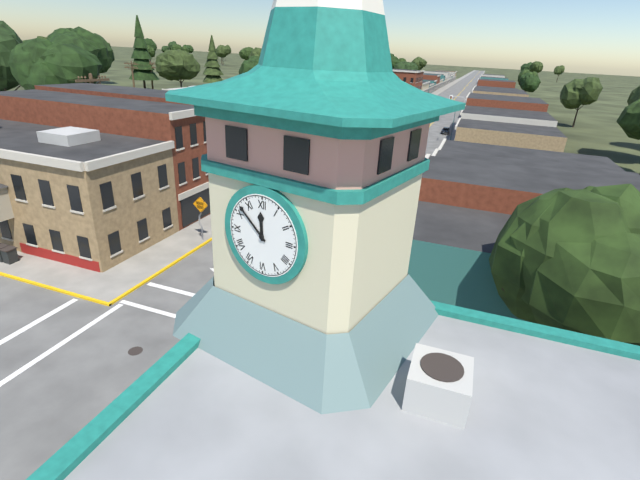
11.52
